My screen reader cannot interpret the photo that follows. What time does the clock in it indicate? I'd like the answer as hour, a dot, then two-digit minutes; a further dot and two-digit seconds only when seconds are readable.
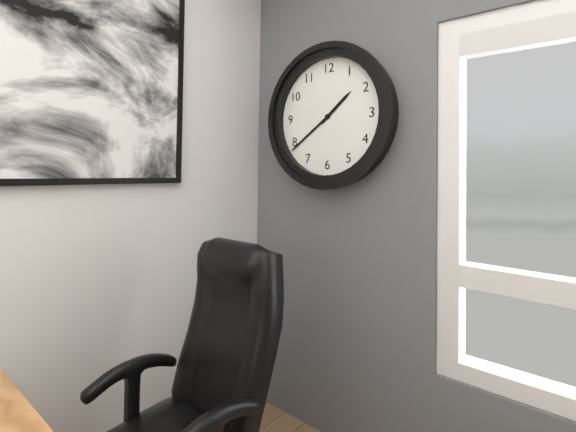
1.39
